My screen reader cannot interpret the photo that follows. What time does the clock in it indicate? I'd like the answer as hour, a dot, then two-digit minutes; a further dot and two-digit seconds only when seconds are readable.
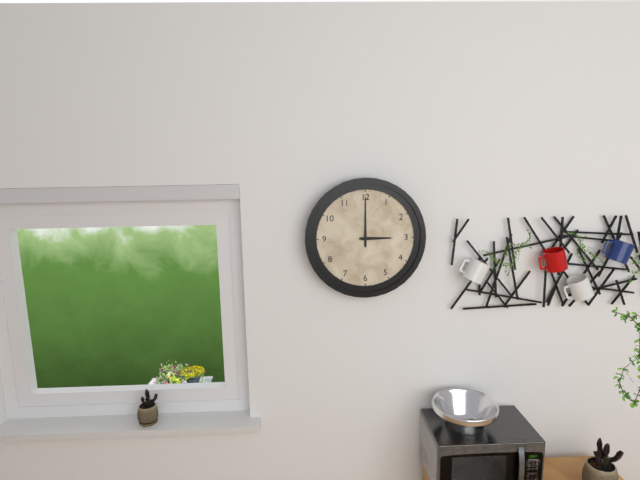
3.00
